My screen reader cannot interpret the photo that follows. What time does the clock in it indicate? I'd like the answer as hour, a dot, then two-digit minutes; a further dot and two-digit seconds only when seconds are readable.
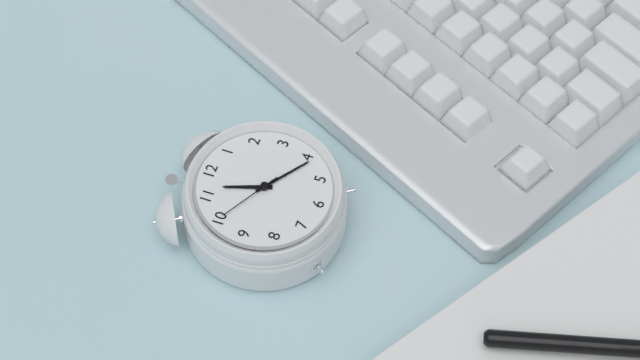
11.21.50
